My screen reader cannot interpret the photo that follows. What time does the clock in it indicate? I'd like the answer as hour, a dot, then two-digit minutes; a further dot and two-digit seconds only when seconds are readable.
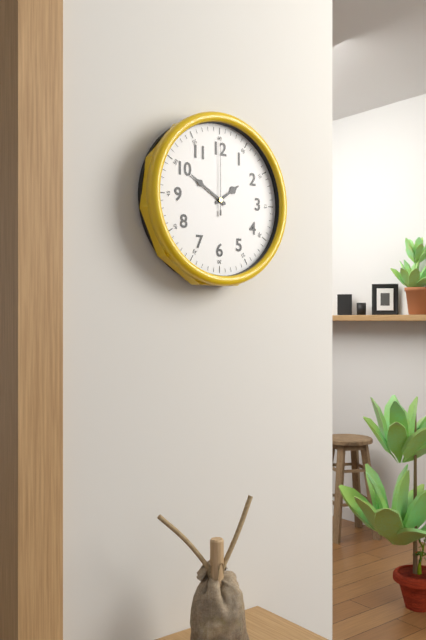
1.50.00
